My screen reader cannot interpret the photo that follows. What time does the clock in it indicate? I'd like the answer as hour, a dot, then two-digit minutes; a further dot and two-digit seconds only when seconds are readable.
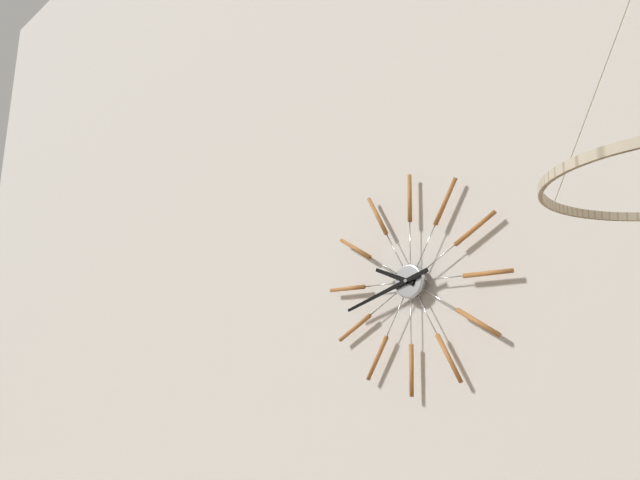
9.42
